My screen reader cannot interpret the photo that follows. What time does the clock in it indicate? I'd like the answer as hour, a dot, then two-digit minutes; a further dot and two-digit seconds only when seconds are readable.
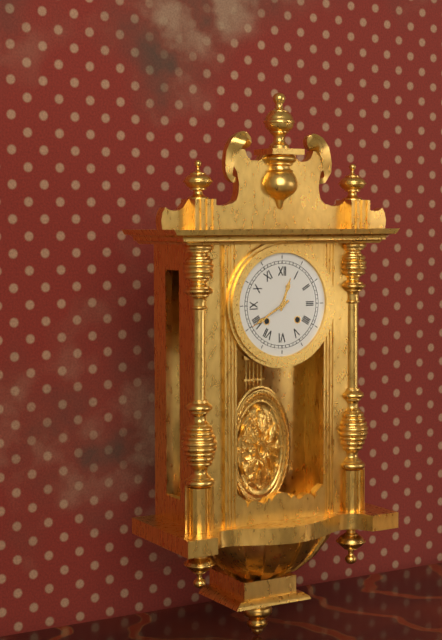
12.40
